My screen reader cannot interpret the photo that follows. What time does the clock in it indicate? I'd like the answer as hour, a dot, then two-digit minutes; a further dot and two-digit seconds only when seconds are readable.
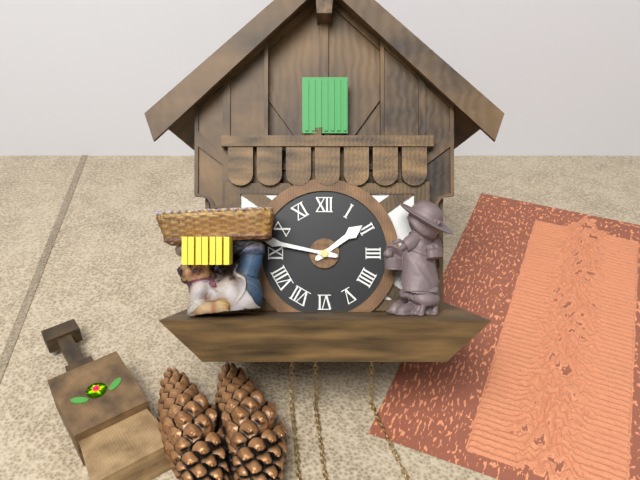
1.47
